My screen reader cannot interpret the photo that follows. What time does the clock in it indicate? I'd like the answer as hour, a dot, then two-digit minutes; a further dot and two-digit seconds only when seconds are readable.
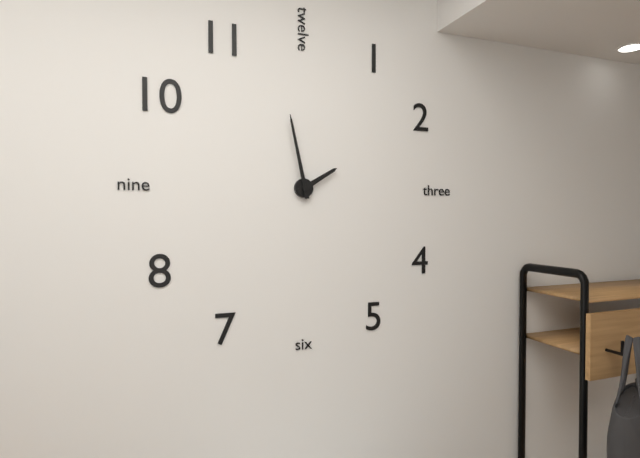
1.58
